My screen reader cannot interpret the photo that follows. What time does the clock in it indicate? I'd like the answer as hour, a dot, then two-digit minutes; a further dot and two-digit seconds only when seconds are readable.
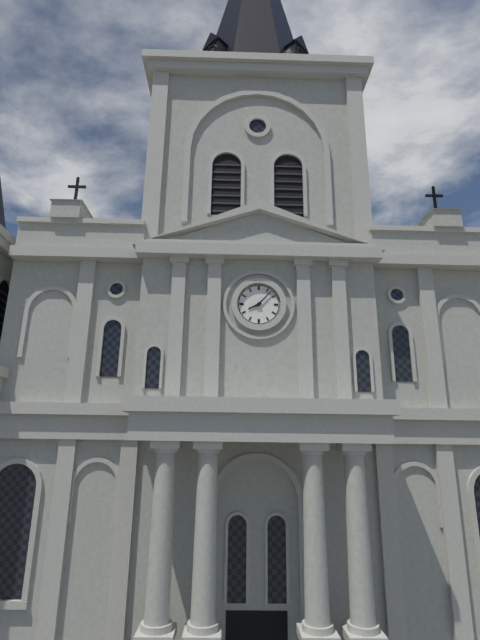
8.07
